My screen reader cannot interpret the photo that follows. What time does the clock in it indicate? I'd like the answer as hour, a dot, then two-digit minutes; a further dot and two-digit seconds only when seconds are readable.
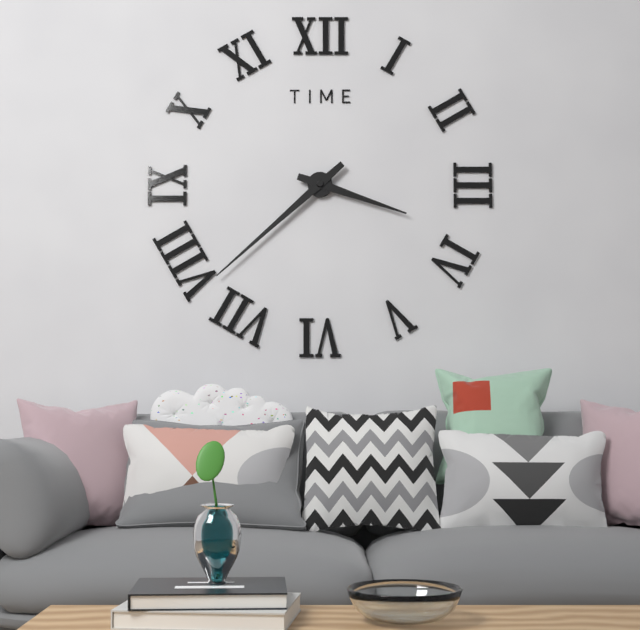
3.38
